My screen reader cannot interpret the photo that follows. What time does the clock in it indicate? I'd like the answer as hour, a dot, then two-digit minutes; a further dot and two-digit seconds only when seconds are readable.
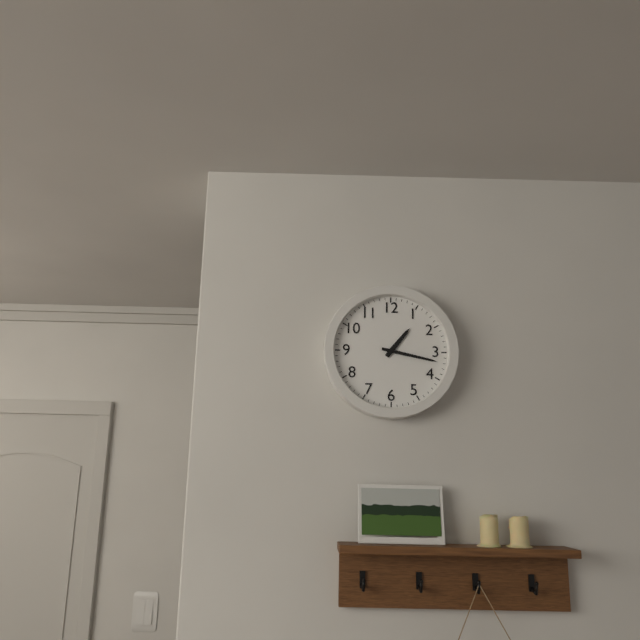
1.17
